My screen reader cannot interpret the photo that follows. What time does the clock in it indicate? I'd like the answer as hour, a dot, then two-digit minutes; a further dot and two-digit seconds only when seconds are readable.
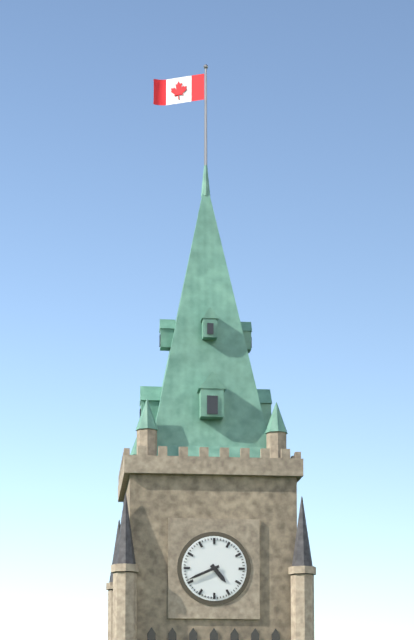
4.41
